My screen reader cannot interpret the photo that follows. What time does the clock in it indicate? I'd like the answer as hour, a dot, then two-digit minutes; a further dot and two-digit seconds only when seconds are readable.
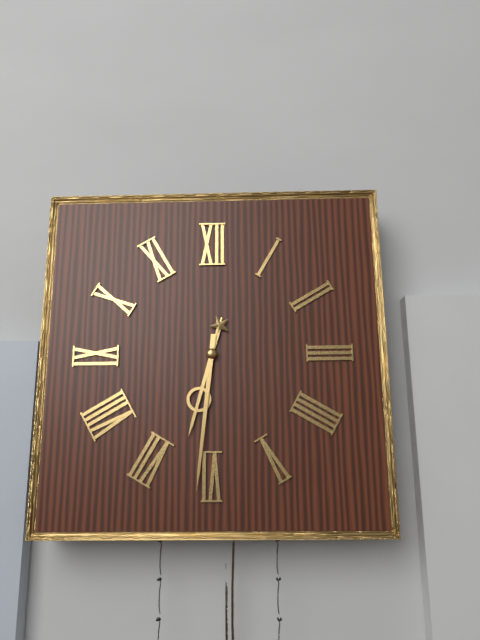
6.31
